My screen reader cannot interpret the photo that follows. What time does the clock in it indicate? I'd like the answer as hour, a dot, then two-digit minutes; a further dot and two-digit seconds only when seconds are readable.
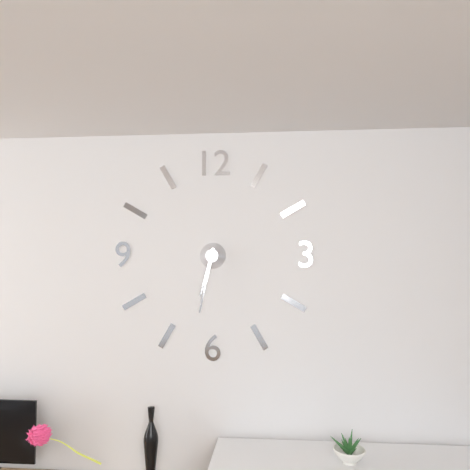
6.32
